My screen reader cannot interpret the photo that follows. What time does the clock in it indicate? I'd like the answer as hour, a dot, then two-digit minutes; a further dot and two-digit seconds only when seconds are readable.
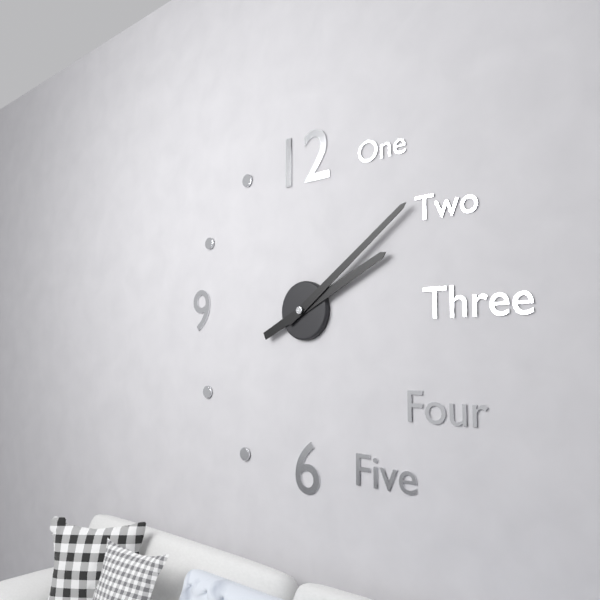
2.09
